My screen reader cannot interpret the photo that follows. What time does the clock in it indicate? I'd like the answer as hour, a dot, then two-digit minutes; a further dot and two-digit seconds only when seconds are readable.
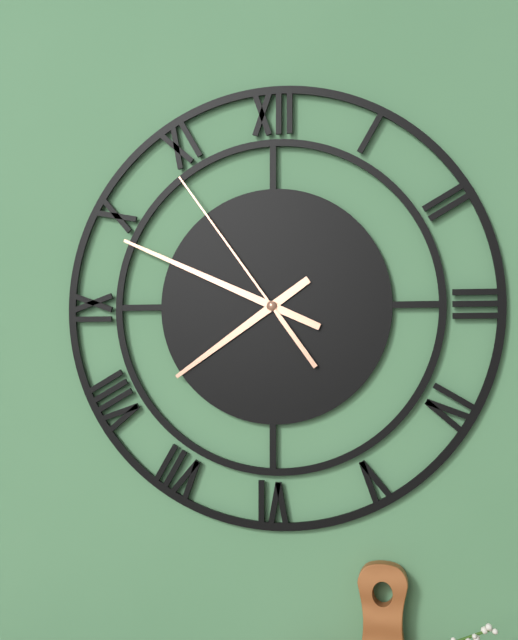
7.49.54
